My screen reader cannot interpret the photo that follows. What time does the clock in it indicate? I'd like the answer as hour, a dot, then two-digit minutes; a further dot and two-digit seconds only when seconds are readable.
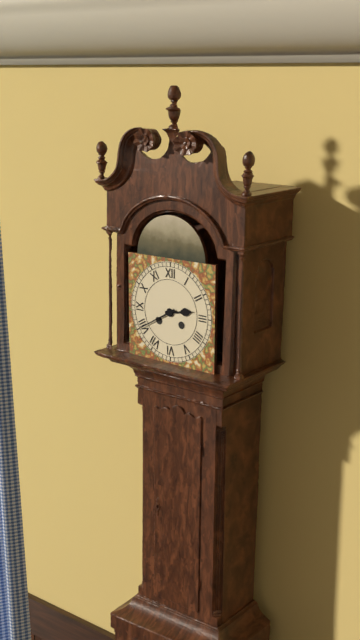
2.40
